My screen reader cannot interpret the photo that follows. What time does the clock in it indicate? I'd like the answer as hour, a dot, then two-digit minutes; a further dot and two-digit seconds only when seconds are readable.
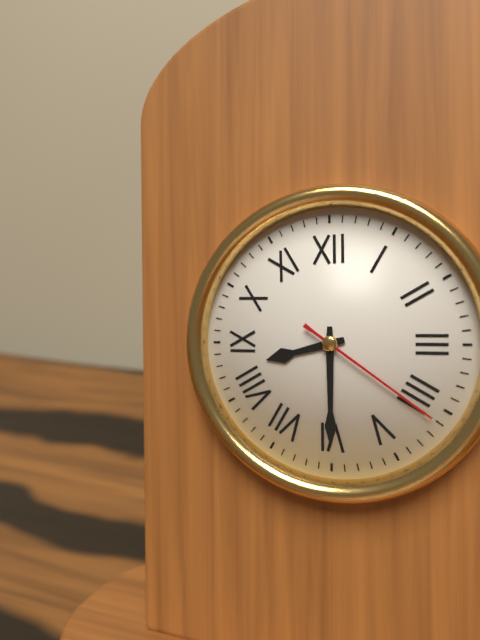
8.30.21
